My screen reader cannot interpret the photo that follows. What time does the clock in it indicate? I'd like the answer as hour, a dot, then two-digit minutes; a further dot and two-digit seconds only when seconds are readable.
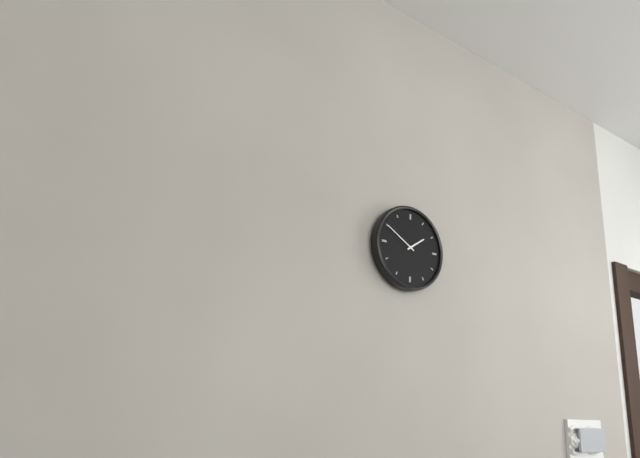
1.50
